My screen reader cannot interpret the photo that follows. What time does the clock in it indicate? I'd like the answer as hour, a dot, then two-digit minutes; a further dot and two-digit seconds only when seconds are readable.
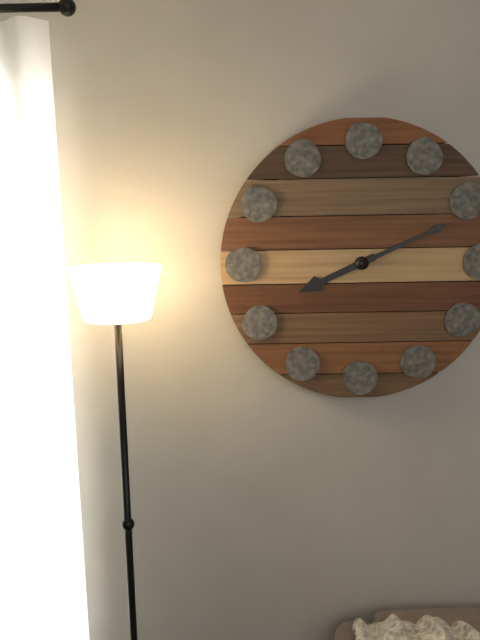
8.11
